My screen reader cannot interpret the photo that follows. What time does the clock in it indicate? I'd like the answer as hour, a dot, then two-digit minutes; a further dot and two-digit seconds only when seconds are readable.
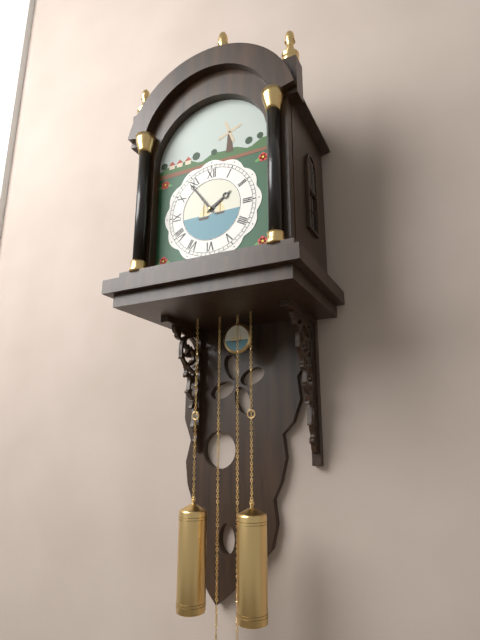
1.54
